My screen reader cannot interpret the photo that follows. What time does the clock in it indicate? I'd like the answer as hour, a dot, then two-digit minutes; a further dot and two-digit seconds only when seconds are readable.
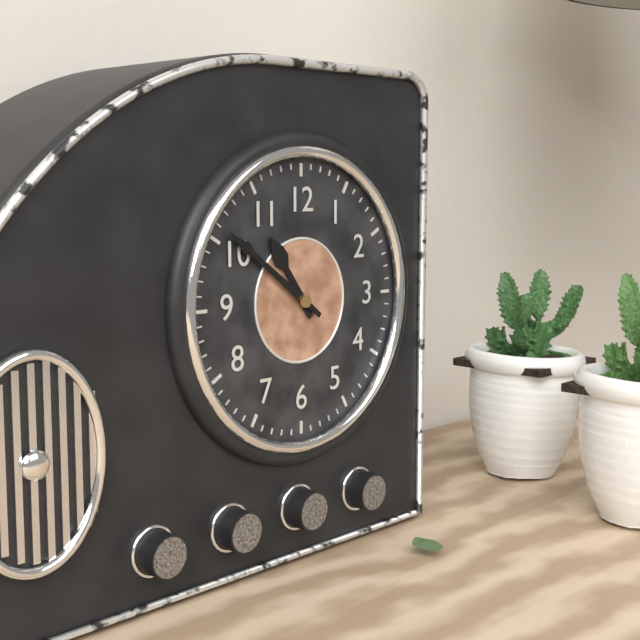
10.51
